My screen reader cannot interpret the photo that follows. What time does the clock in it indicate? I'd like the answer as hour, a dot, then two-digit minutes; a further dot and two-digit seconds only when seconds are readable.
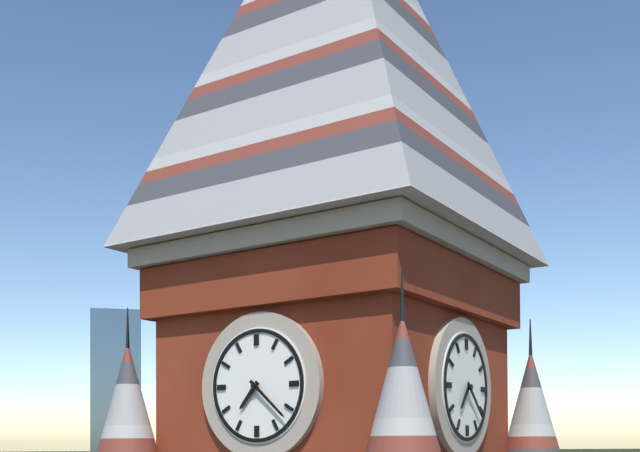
7.22
